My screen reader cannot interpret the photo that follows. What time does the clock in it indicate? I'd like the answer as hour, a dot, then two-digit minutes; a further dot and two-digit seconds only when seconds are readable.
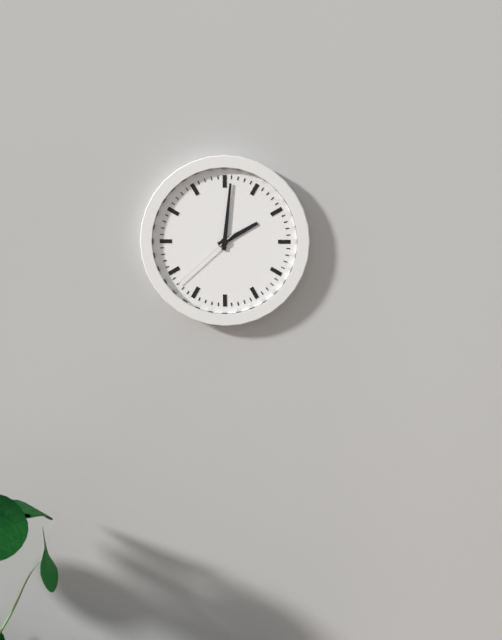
2.01.38
